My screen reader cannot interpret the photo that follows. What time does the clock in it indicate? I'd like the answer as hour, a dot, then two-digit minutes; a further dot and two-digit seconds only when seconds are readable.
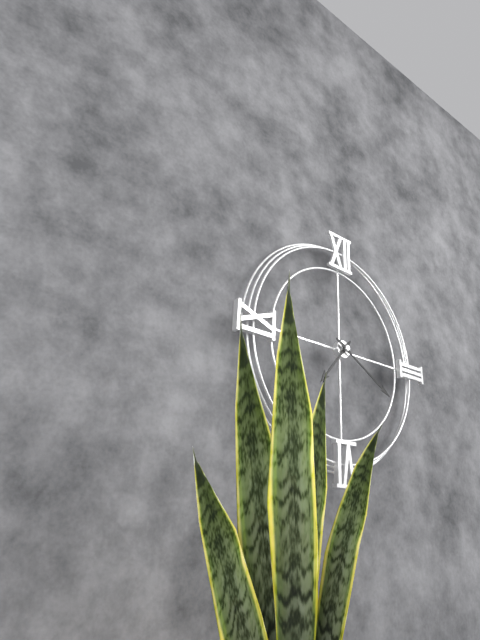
7.20
